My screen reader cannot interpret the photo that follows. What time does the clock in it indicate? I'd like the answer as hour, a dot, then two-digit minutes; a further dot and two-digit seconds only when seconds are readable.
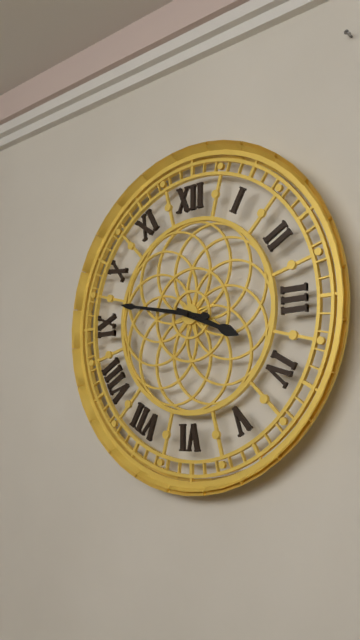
3.47
